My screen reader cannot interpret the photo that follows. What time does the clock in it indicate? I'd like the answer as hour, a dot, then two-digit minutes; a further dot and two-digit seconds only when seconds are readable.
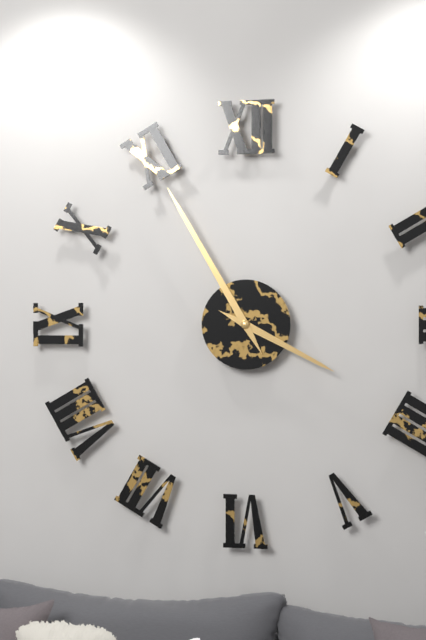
3.55
